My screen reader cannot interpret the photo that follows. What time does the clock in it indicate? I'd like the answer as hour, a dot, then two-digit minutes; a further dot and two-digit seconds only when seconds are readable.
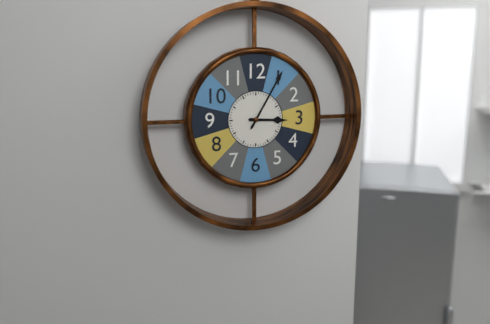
3.05
